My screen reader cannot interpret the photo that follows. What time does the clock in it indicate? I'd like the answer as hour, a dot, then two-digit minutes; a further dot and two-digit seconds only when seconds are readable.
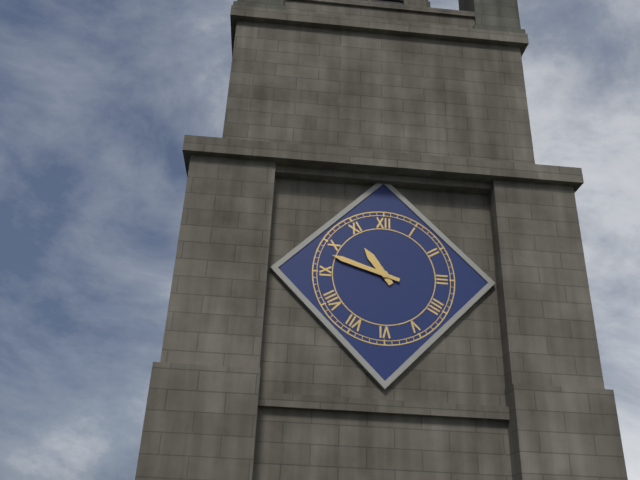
10.48
